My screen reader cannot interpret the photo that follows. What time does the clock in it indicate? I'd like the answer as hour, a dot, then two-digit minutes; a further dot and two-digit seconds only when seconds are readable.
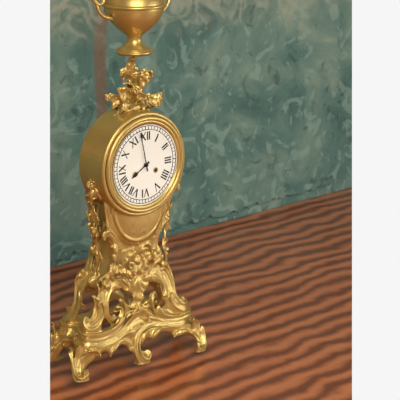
7.58
